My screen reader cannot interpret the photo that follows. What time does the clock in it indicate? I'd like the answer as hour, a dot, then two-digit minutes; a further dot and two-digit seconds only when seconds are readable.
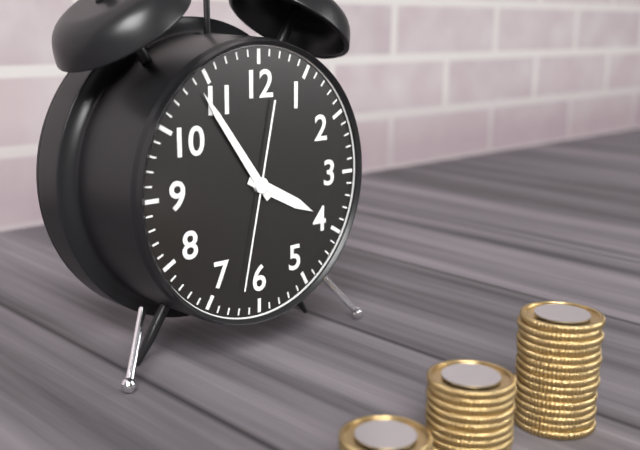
3.54.32
